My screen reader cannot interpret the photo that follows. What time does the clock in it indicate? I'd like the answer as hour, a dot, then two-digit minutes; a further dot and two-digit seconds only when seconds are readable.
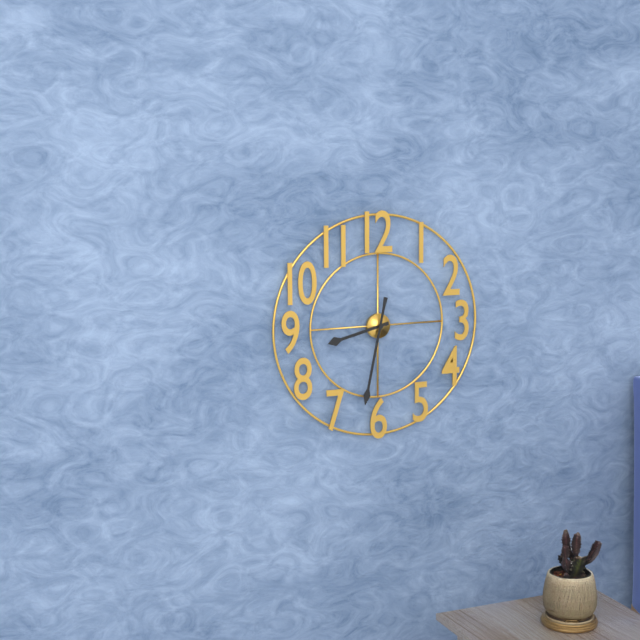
8.32
